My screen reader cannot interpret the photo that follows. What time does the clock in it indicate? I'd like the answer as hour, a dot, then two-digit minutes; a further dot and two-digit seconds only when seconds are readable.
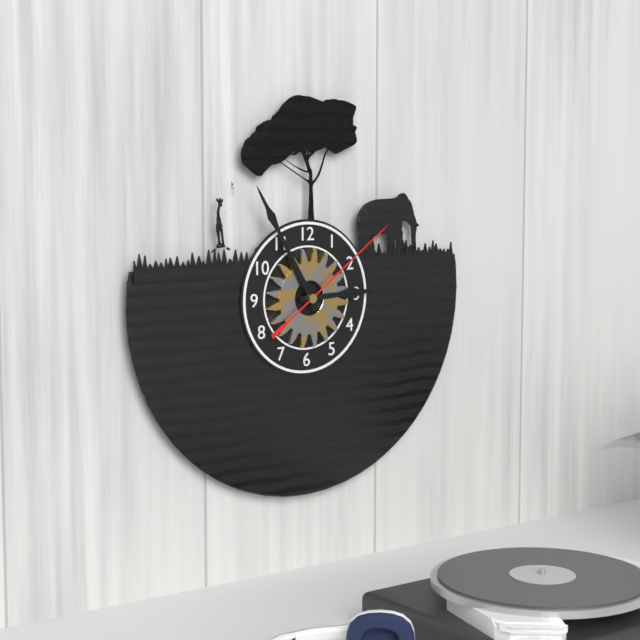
2.55.09
